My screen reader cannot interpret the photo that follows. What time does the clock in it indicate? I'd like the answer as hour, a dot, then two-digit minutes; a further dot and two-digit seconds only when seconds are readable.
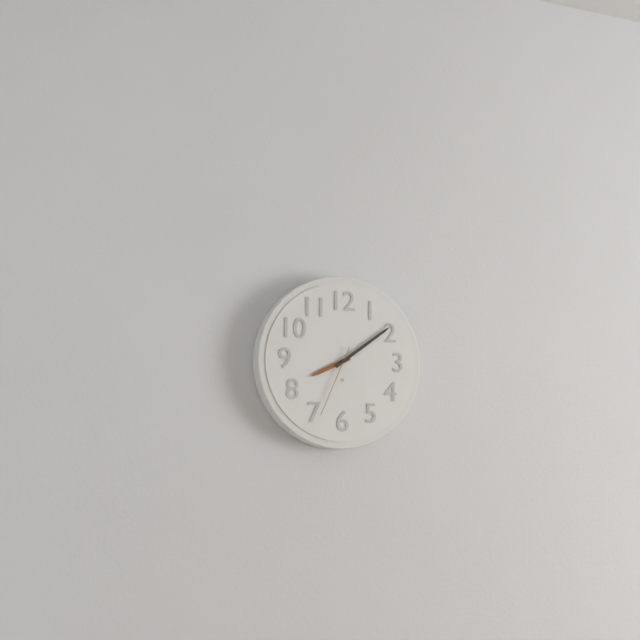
8.09.34
